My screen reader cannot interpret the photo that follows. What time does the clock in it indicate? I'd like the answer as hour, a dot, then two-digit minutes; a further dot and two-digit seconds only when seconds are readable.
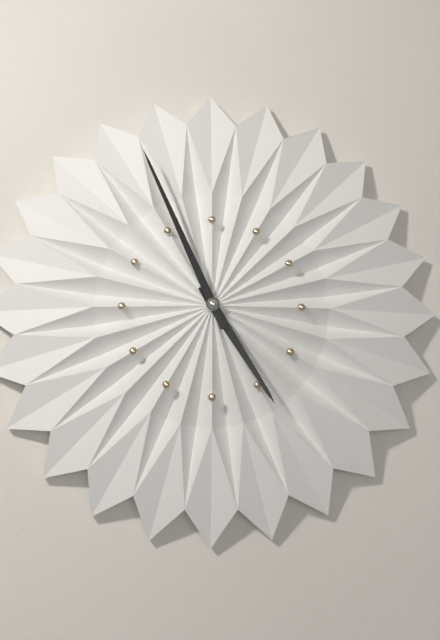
4.56
